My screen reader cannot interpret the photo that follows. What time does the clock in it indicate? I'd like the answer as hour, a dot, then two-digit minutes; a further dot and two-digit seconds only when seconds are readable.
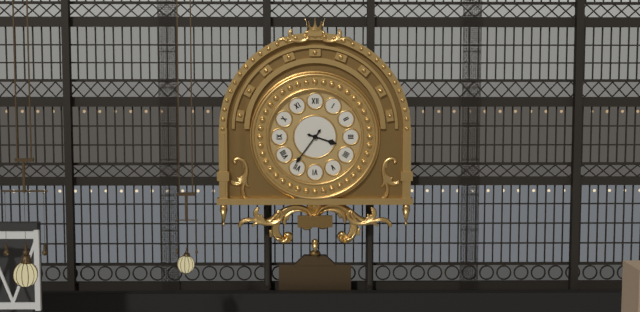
3.36
